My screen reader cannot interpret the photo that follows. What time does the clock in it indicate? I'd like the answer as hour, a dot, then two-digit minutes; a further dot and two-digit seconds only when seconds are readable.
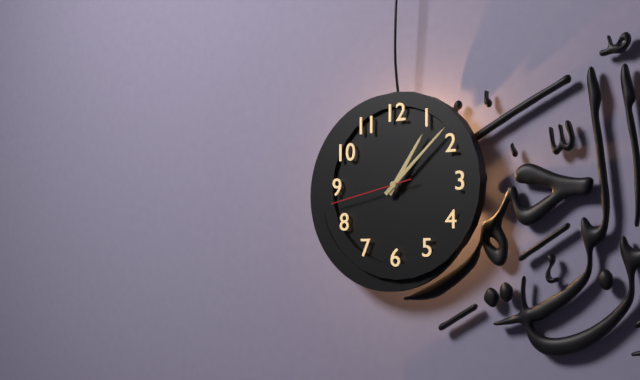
1.08.43
